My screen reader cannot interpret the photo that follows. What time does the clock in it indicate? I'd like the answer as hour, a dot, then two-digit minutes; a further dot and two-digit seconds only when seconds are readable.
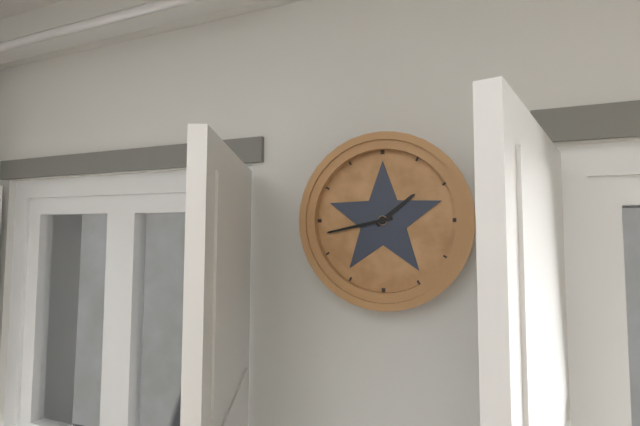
1.43
